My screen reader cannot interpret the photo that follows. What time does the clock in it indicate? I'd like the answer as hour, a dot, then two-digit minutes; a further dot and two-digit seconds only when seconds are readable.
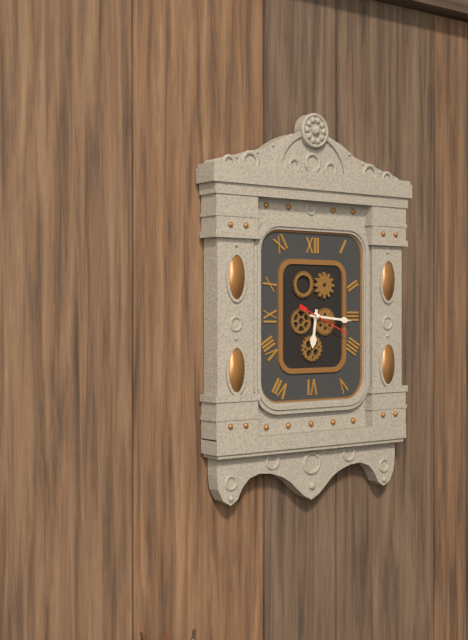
6.16
